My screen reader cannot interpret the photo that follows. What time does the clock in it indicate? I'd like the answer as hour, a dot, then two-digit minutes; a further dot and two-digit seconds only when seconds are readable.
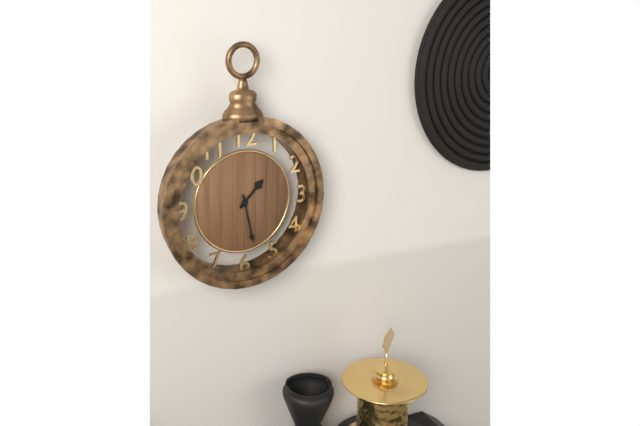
1.28
